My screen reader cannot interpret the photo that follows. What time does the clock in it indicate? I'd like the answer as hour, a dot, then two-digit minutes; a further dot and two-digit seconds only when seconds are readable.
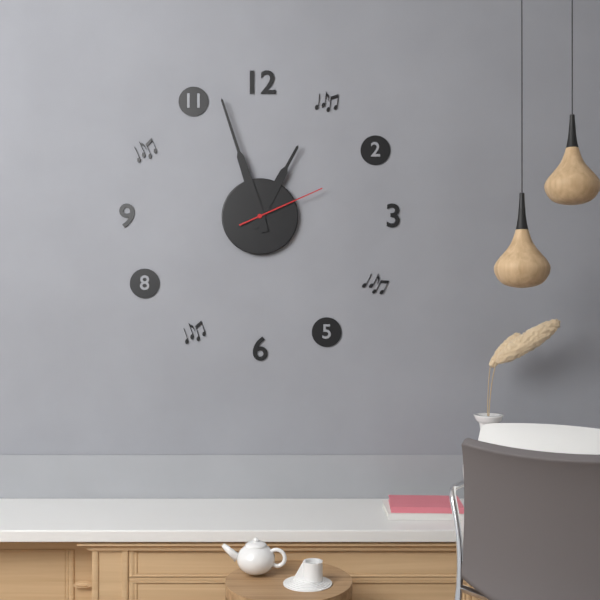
12.57.11
